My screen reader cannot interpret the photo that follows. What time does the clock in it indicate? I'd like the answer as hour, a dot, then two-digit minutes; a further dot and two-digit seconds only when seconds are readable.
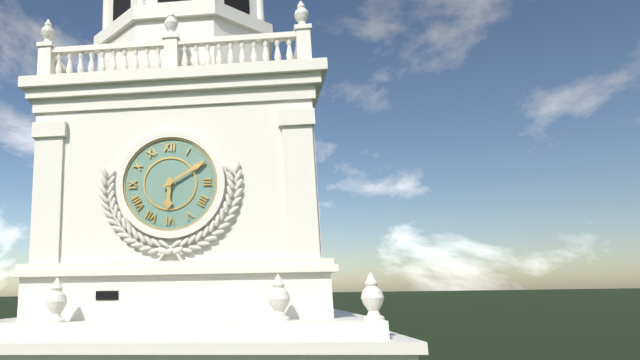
6.10
